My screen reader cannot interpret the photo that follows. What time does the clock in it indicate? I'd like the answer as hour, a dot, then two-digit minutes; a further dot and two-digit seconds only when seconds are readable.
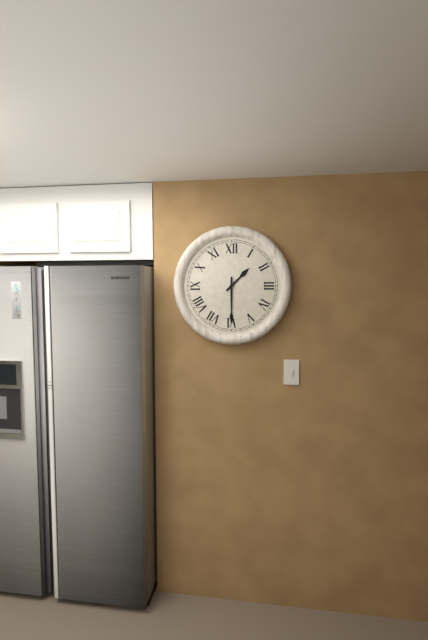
1.30
